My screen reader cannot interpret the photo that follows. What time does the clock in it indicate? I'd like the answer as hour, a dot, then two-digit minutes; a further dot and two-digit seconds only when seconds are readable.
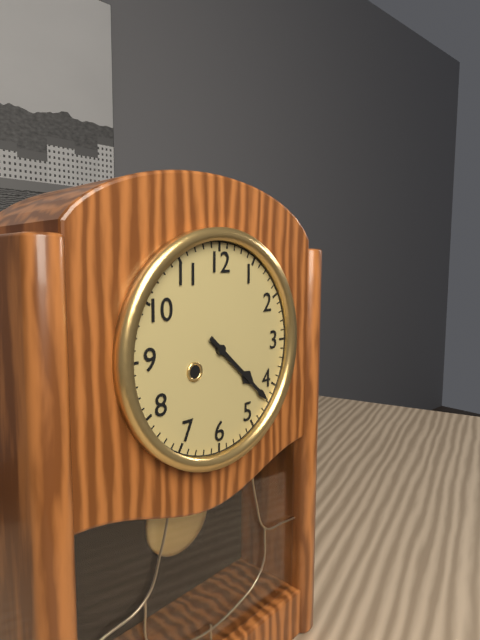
4.22
